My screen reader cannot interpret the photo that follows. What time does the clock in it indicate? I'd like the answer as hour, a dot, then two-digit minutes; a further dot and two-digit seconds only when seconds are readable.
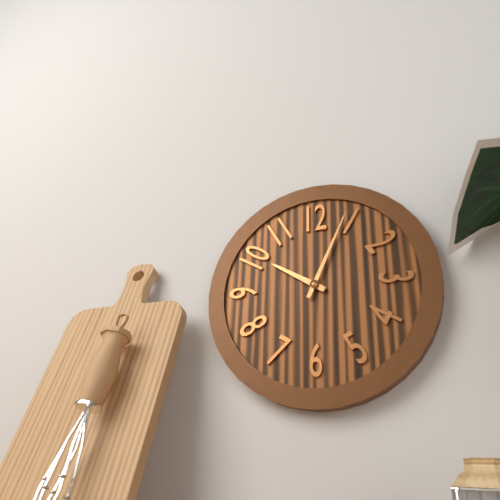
10.04
